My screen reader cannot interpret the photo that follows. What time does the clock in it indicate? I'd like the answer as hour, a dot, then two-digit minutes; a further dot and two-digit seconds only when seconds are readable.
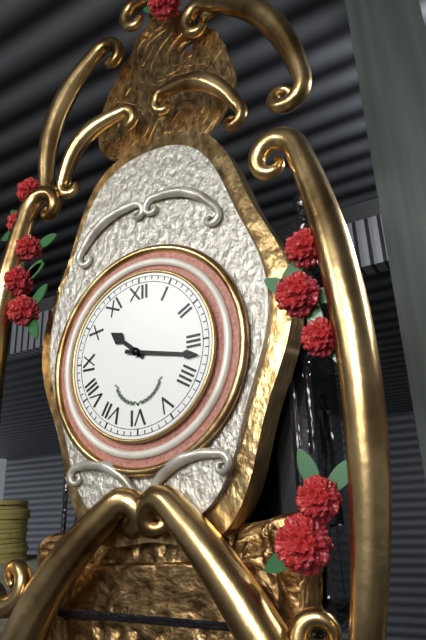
10.17
